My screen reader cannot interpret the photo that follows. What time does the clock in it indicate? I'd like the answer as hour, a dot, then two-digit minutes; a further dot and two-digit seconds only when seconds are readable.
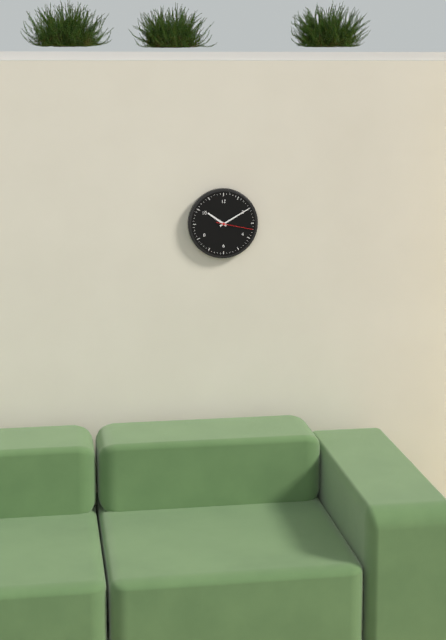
10.10
